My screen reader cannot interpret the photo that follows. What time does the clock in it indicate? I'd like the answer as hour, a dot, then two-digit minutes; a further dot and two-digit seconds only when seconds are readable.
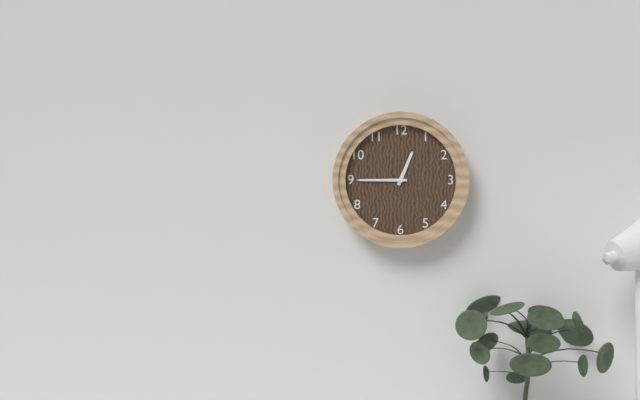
12.45
